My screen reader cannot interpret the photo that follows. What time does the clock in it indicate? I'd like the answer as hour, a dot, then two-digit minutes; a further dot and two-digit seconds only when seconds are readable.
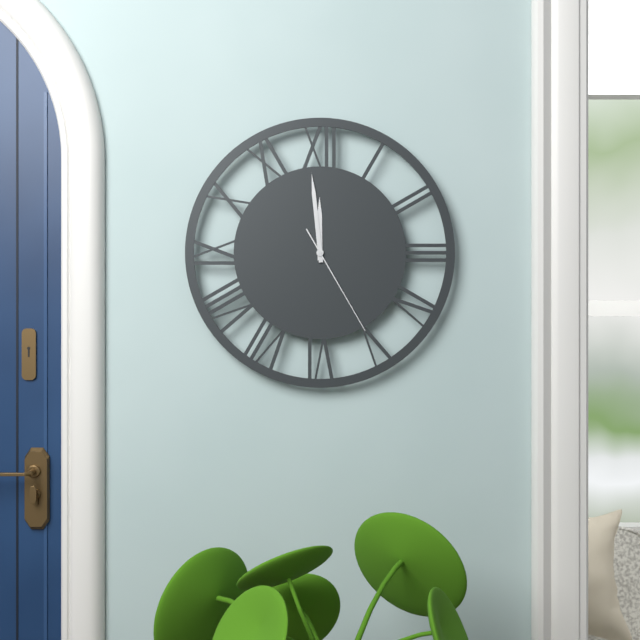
11.59.25
